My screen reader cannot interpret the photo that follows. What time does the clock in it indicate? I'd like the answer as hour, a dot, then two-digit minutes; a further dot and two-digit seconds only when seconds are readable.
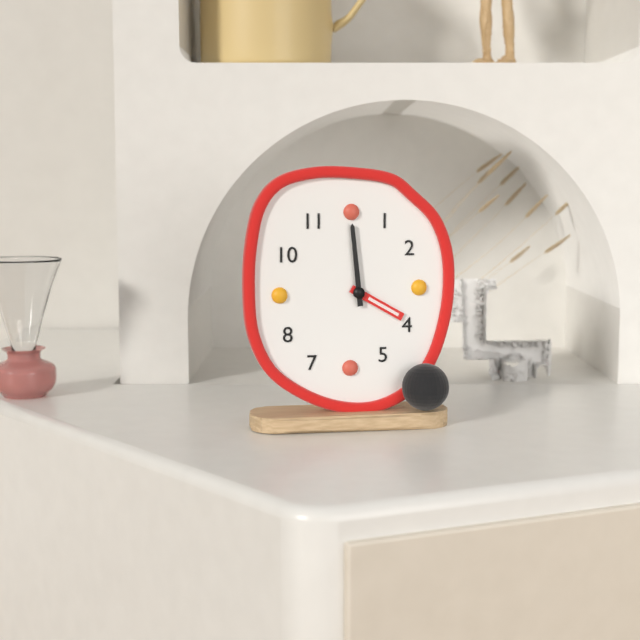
3.59
